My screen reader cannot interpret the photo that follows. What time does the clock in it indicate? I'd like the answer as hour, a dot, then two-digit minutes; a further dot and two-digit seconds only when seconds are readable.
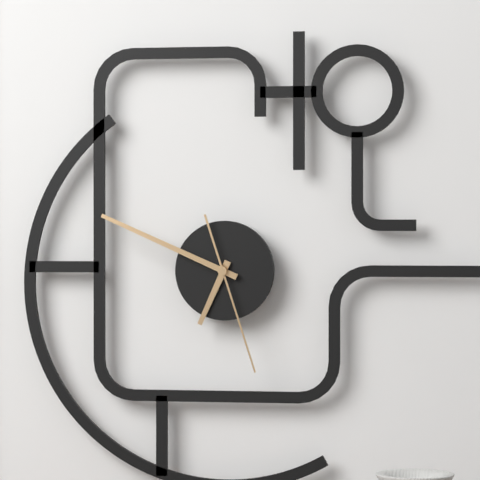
6.49.27
